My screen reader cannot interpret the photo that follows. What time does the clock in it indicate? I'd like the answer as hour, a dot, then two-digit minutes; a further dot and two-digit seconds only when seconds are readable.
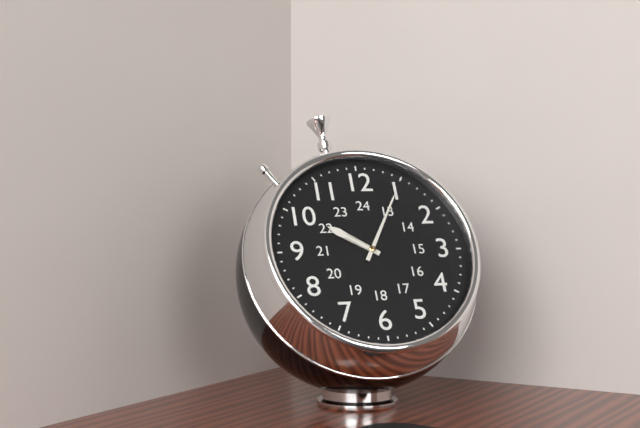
10.05
